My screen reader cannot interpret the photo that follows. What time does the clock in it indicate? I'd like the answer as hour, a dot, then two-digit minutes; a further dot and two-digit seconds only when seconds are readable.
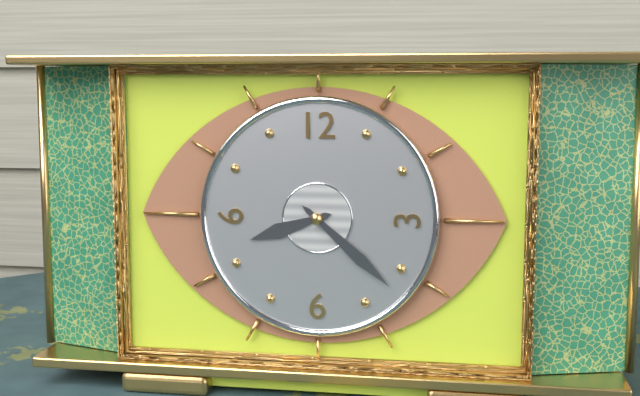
8.22
